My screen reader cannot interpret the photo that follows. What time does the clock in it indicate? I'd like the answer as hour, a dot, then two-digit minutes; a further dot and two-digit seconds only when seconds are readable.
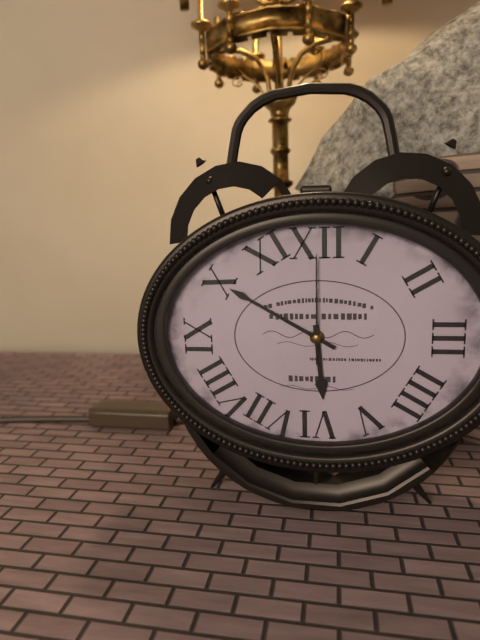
5.50.00
